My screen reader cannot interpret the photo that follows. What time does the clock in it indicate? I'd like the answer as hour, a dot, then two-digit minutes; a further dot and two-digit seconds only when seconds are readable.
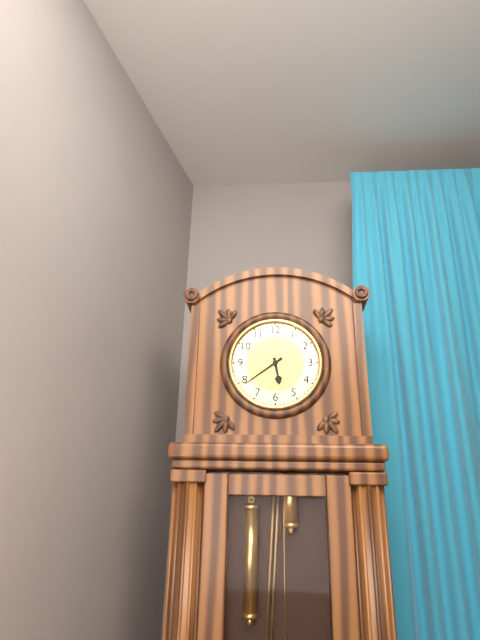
5.39
